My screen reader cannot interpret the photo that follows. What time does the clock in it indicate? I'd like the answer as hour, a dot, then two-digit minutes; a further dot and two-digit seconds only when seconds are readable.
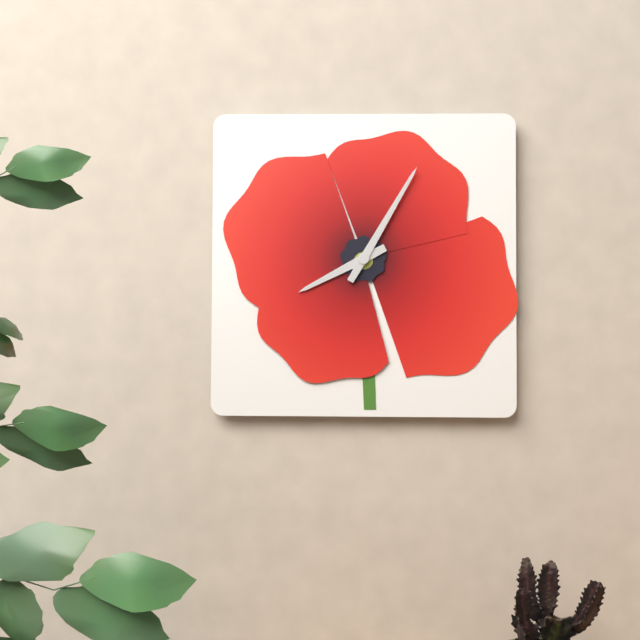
8.05
